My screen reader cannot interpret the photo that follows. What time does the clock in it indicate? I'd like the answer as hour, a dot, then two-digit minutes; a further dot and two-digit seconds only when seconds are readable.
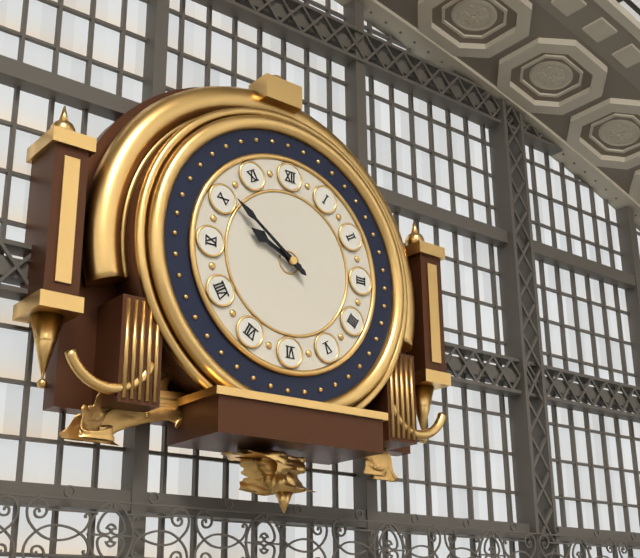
9.51
